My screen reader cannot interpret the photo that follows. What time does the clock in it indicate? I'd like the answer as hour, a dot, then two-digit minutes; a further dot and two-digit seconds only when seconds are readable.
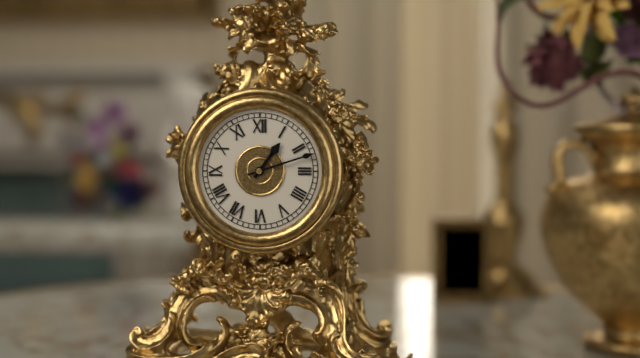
1.12
